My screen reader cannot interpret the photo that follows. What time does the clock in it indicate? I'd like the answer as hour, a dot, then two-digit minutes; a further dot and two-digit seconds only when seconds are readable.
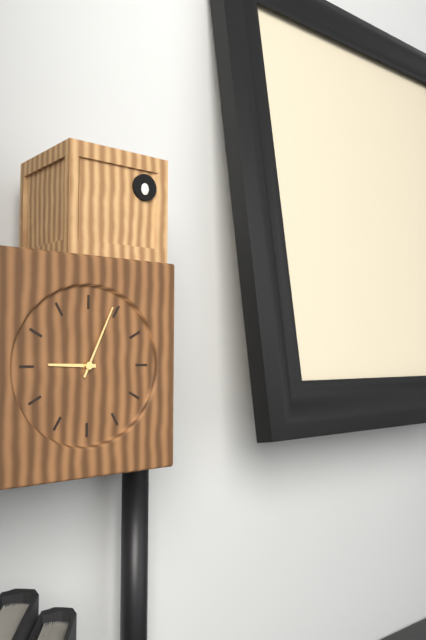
9.04
